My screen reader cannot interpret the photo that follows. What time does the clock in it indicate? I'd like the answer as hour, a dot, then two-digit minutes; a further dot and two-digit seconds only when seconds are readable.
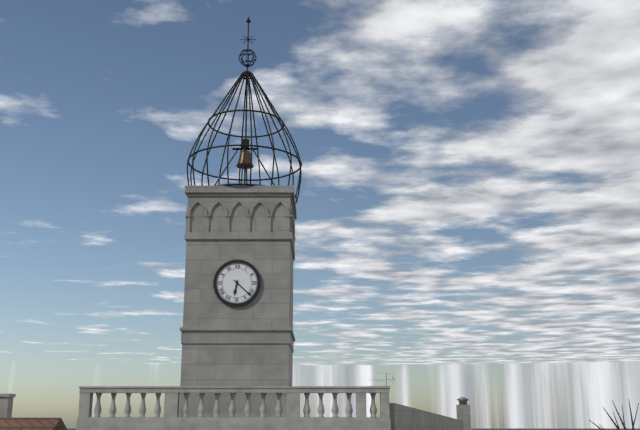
6.22
